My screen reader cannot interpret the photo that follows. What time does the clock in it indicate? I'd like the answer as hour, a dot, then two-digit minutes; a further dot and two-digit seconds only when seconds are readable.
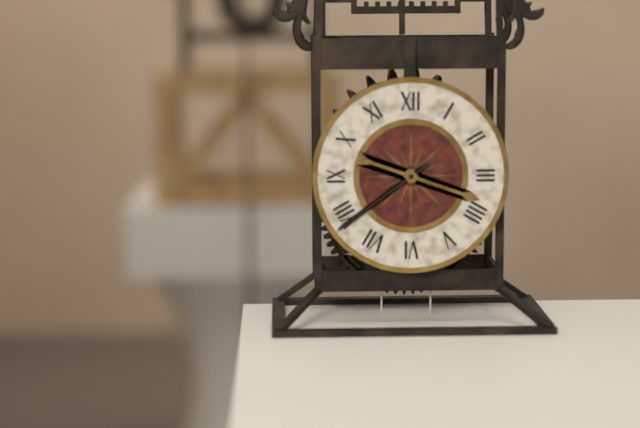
3.39
